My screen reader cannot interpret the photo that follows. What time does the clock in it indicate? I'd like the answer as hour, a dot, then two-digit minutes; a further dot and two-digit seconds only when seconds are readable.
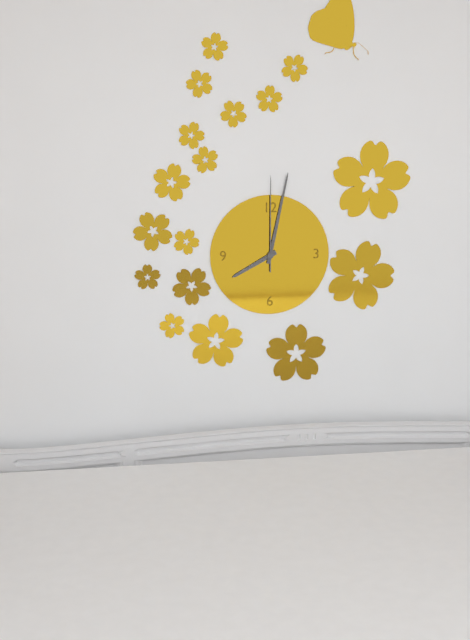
8.02.00
